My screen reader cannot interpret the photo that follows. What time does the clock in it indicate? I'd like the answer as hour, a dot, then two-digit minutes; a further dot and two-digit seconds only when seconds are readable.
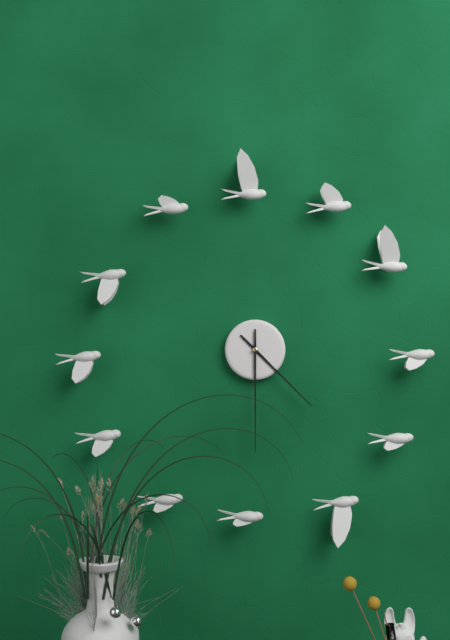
4.30
